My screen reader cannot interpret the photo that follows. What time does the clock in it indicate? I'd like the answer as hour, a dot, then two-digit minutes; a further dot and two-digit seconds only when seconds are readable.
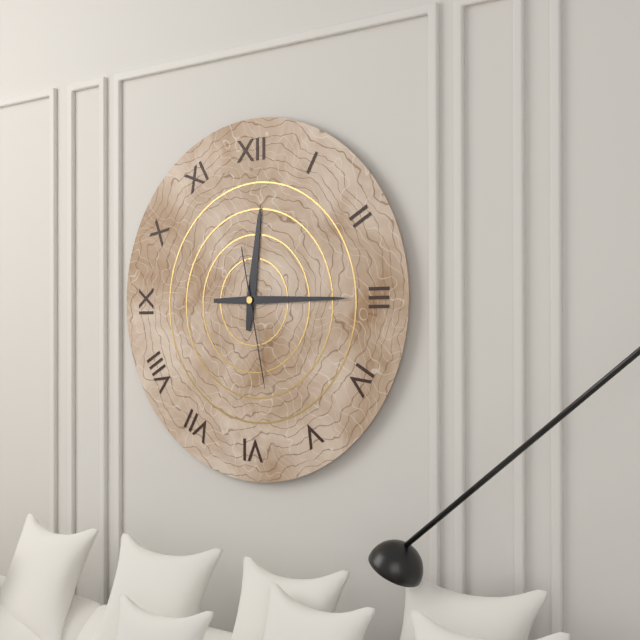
12.15.28
